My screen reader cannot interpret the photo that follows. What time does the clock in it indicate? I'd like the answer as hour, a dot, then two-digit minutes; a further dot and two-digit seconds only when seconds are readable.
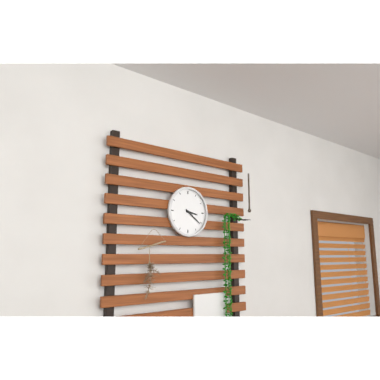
3.21
